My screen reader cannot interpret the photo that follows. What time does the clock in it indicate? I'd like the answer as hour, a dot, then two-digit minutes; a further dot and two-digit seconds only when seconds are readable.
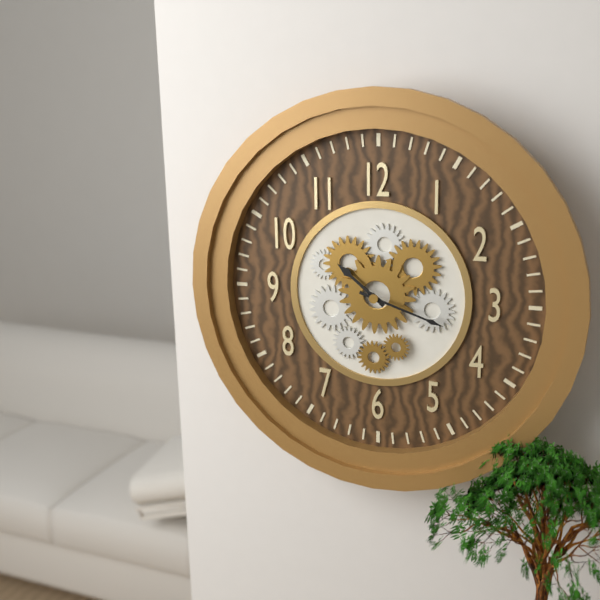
10.18
